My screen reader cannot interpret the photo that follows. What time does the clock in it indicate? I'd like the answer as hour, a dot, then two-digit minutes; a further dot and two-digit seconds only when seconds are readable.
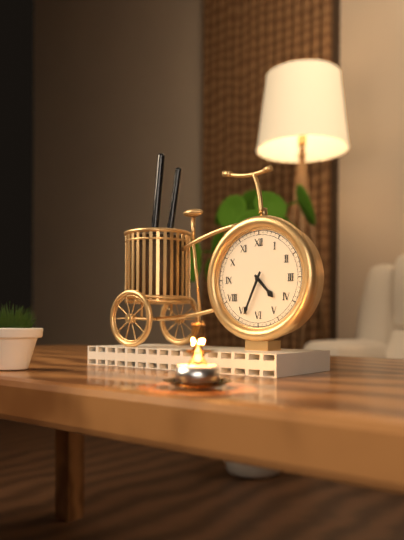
4.34
